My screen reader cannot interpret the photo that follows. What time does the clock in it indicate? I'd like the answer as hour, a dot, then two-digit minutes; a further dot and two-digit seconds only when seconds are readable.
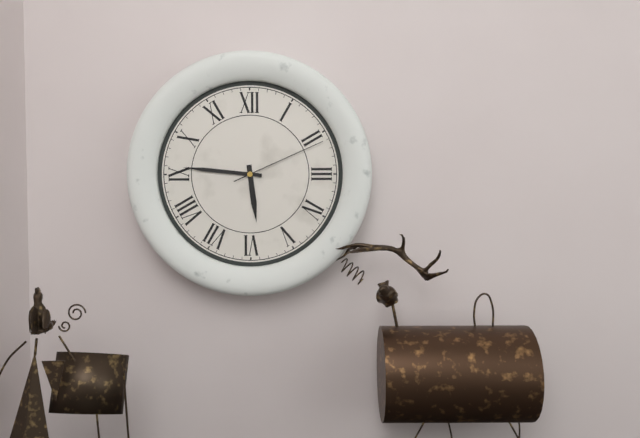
5.46.11
